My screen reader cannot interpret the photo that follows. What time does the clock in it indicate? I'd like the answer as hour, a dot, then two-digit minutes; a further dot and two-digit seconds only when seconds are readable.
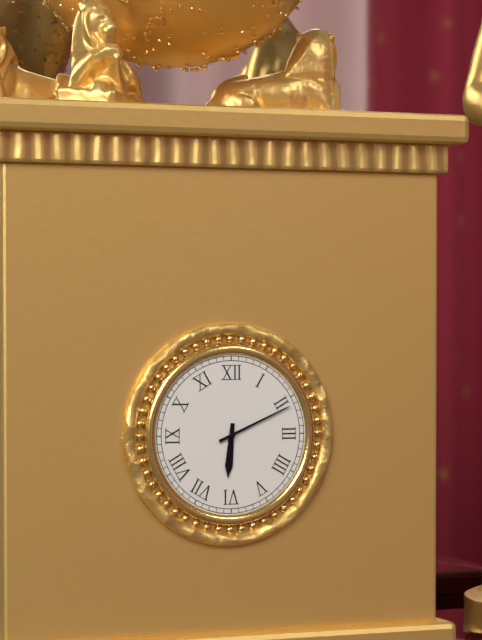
6.11
